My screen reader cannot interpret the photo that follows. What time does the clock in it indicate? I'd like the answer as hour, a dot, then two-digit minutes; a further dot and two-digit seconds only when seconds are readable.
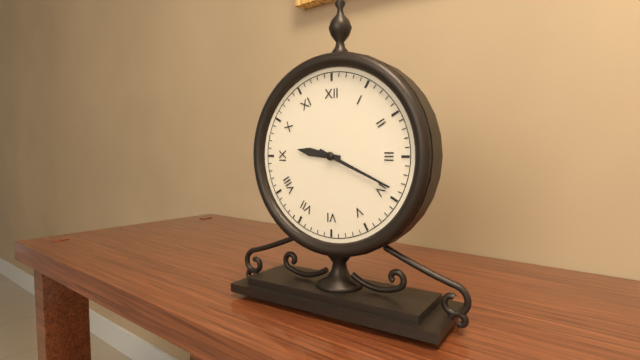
9.19
